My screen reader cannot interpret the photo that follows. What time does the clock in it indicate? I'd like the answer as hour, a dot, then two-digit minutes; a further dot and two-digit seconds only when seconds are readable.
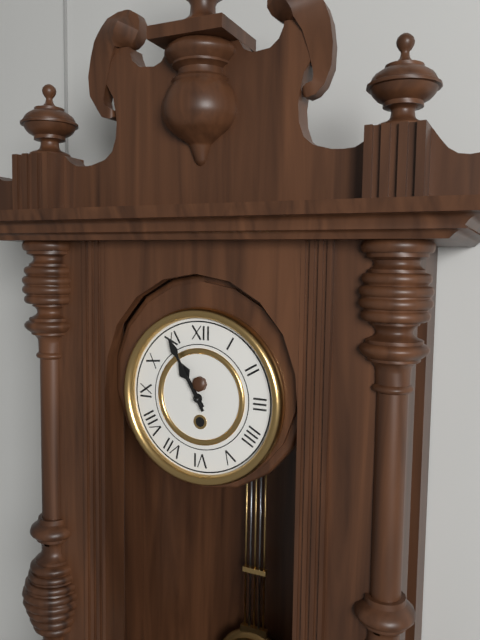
10.55
